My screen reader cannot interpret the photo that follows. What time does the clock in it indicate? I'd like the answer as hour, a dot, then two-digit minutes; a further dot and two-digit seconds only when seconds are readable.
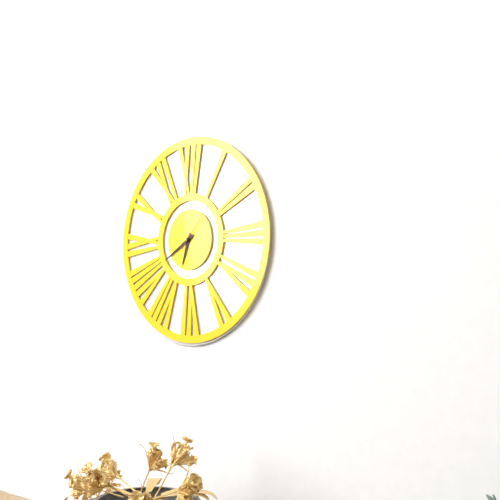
6.40
